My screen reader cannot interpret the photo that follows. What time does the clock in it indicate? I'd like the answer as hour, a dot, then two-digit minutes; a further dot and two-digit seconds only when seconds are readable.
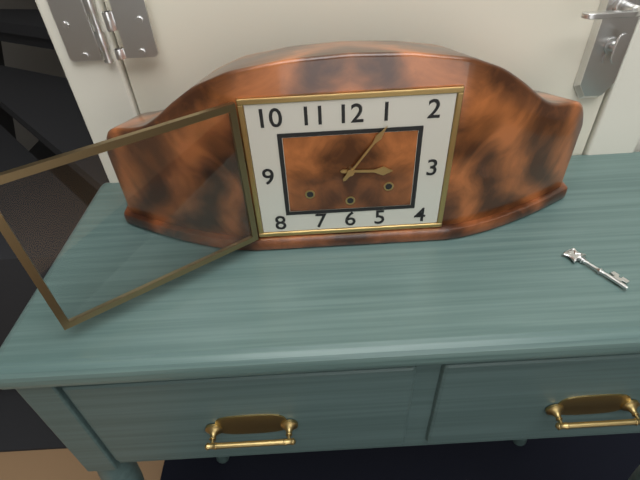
3.06
